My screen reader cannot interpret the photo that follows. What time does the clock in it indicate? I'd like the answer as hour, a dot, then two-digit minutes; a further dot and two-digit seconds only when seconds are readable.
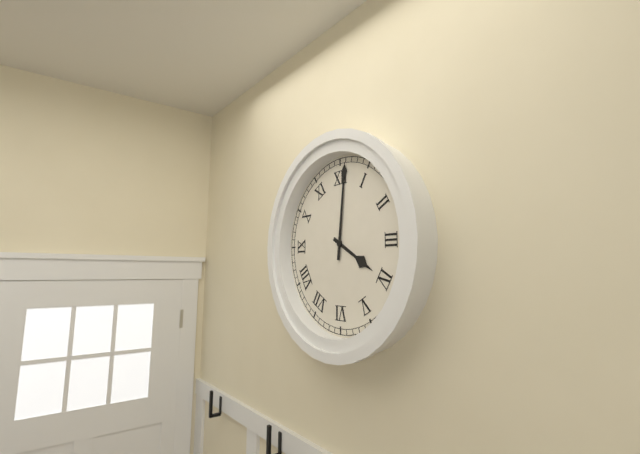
4.01
